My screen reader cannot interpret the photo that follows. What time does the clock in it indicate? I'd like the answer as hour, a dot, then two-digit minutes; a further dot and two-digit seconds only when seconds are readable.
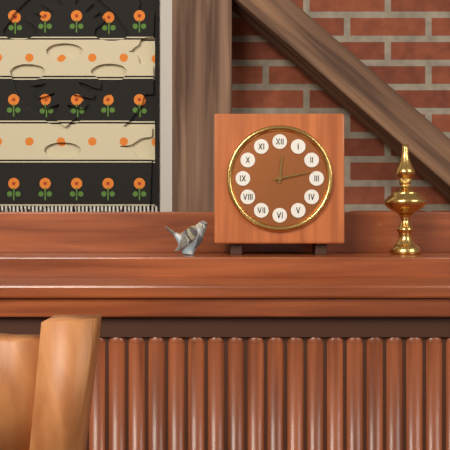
12.13
